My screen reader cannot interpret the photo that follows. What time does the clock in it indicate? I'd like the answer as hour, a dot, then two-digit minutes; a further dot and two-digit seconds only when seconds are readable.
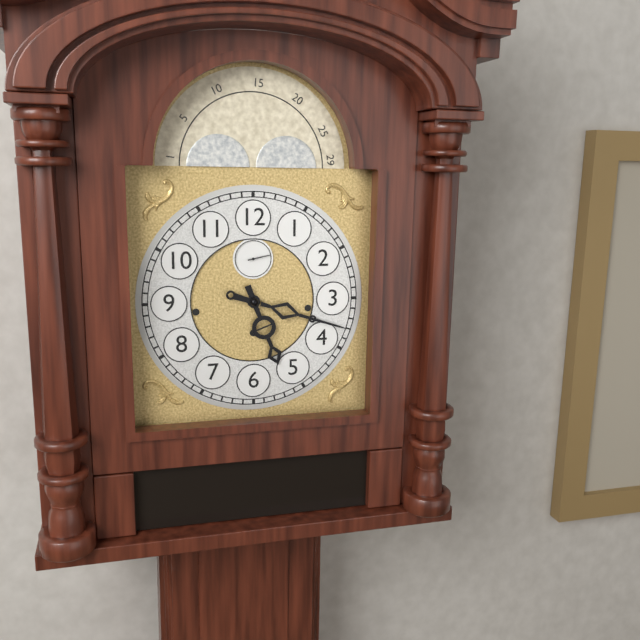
5.18
